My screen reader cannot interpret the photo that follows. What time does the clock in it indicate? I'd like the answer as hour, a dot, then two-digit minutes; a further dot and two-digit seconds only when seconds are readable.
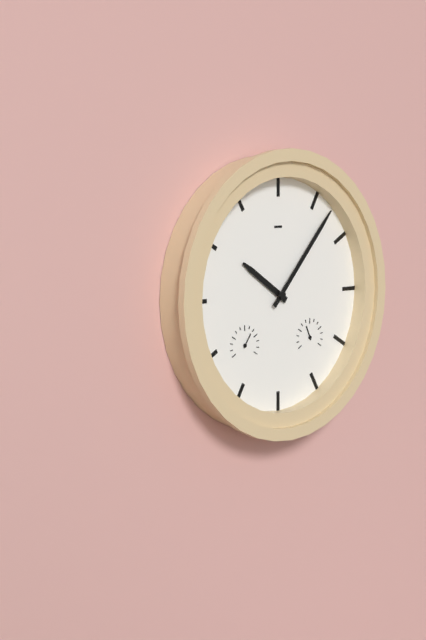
10.07
